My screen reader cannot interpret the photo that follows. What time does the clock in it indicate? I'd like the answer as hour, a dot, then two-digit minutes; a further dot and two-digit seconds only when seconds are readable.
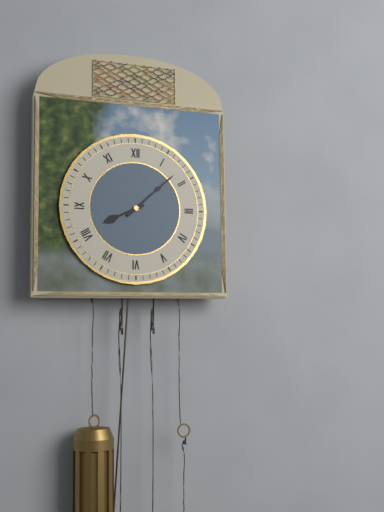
8.08
